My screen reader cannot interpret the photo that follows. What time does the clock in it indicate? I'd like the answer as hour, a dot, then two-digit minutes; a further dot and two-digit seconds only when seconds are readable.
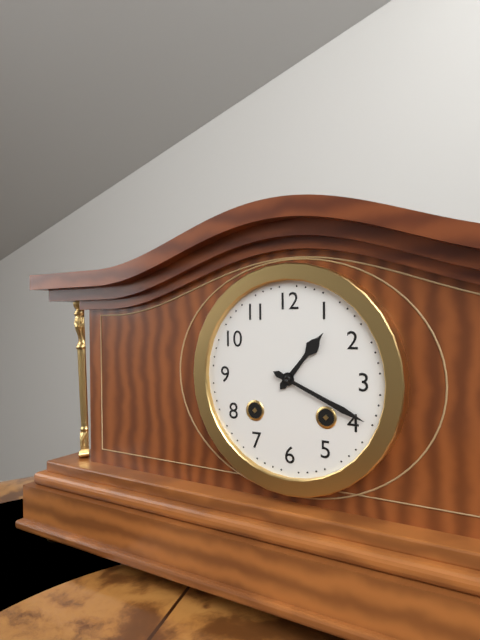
1.19
